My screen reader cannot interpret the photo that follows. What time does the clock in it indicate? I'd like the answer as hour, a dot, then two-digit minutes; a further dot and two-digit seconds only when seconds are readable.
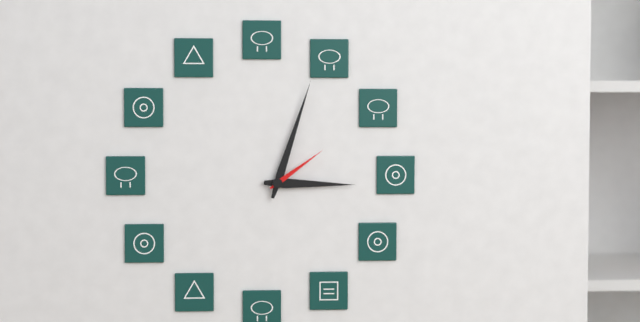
3.03.09
